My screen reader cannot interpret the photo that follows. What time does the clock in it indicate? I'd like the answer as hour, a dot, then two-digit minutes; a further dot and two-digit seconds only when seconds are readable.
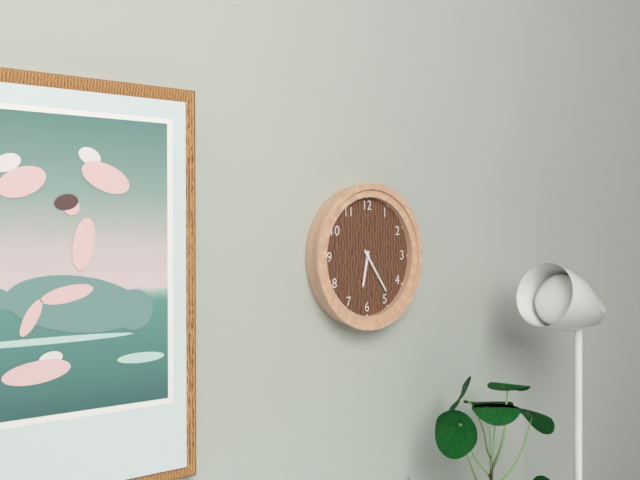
6.24
